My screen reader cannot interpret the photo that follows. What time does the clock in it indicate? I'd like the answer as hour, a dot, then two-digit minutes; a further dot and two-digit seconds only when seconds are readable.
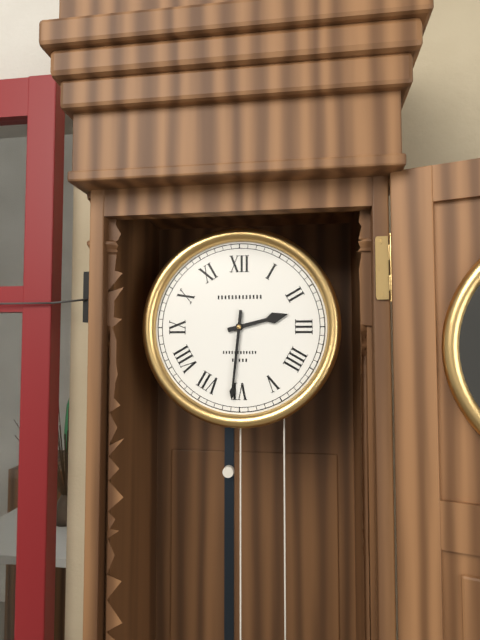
2.31
